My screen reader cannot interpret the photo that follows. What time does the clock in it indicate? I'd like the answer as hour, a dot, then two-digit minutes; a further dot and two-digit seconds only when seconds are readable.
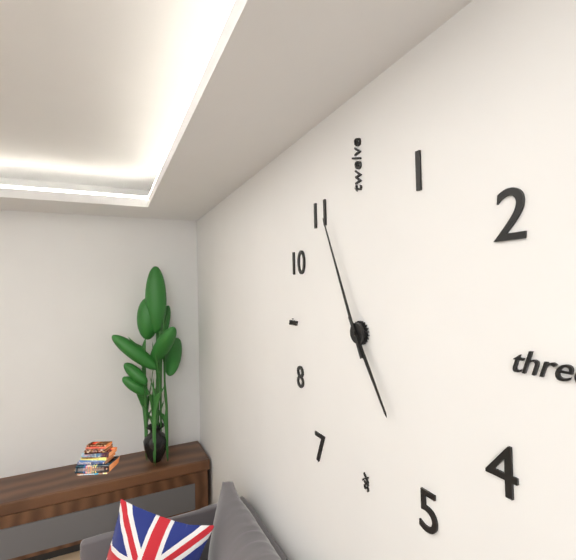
4.56
